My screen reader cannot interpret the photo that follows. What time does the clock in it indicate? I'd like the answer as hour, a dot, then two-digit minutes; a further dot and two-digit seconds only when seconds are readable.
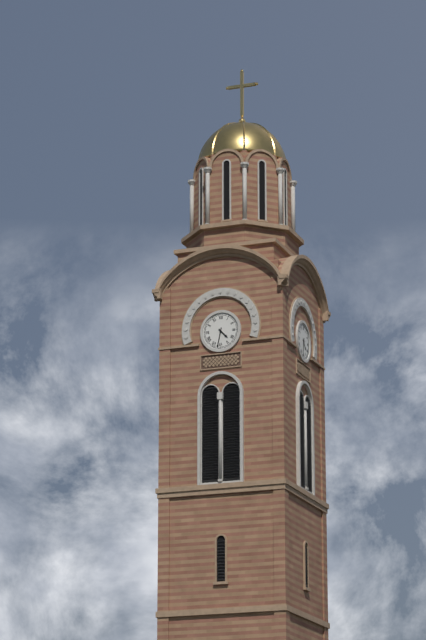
4.32
